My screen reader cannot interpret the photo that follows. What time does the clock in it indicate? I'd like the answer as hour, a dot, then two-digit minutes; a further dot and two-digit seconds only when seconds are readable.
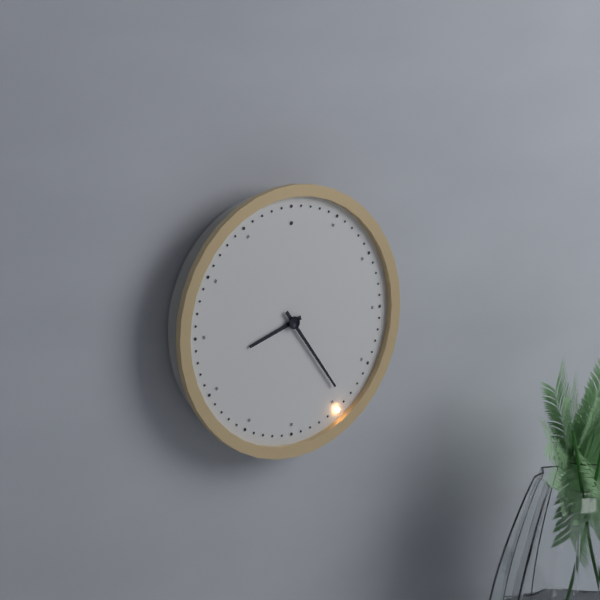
8.24
